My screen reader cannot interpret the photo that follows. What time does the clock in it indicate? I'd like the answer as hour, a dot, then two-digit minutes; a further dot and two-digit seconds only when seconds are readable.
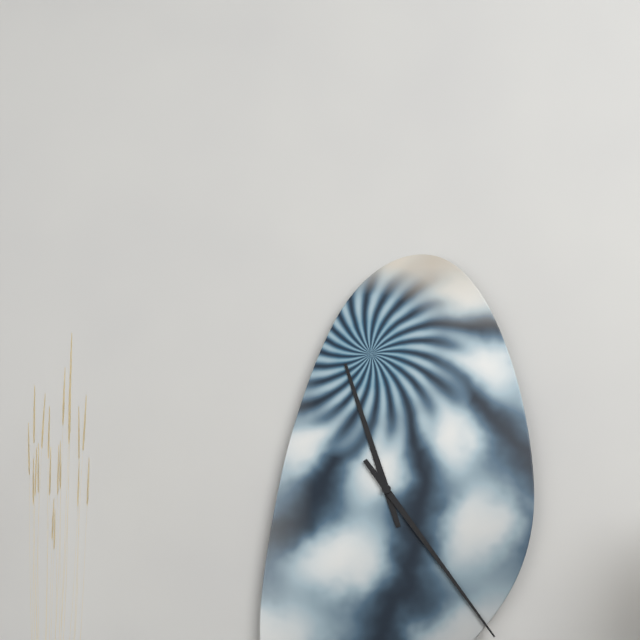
11.24
